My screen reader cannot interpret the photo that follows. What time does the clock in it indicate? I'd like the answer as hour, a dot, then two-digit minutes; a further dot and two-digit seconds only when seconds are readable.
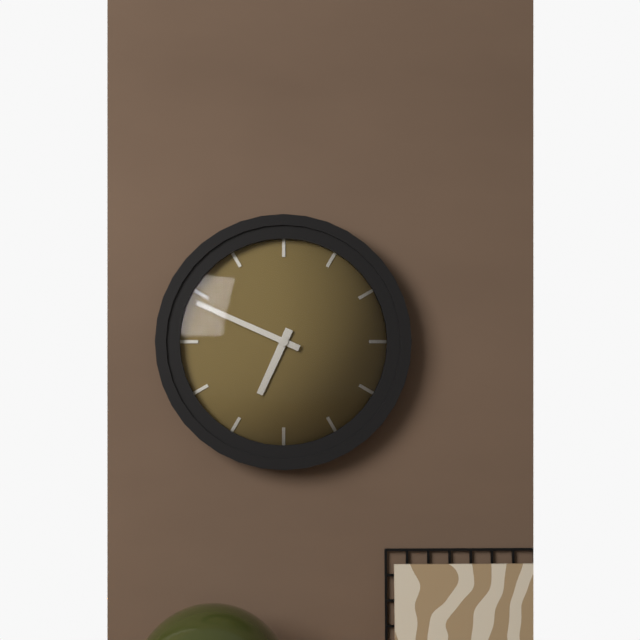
6.49
